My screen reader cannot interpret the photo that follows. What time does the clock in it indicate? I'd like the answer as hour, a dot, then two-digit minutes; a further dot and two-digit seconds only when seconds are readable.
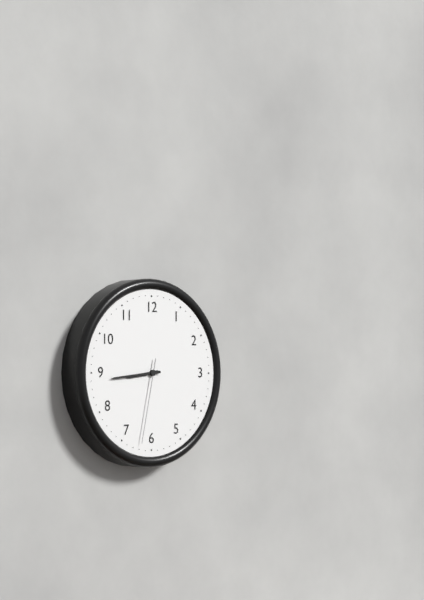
8.44.32
